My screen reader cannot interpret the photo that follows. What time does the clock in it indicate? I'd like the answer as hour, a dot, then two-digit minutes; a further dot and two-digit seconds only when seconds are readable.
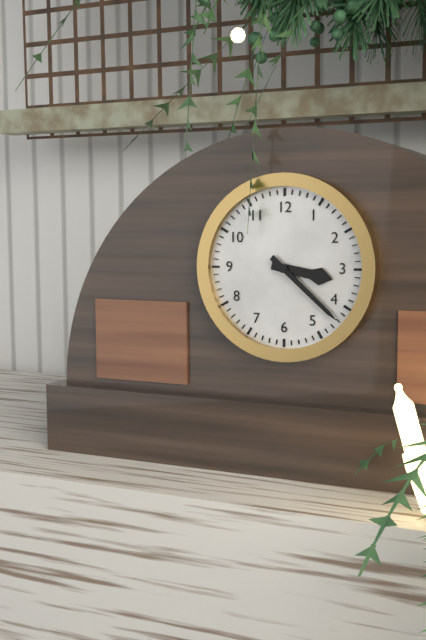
3.22
